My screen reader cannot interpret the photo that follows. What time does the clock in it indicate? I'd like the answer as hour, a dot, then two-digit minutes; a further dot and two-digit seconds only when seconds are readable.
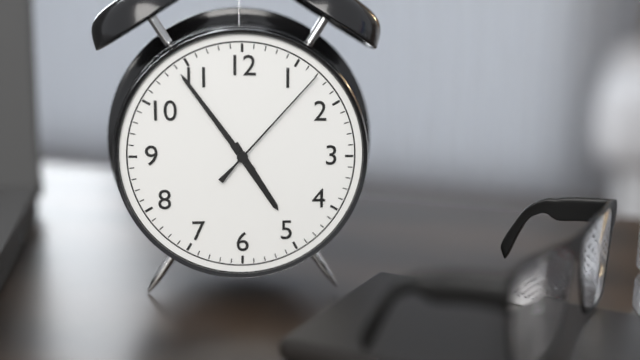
4.54.07
